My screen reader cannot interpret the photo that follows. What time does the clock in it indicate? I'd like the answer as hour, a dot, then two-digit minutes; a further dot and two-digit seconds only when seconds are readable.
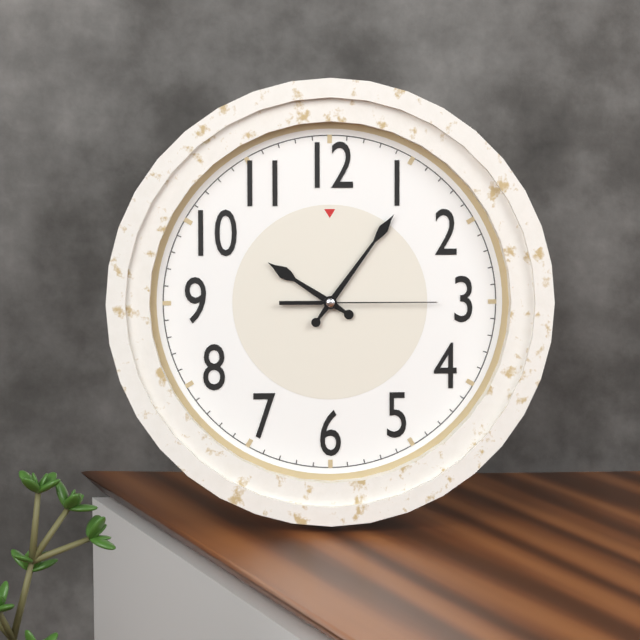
10.06.15
